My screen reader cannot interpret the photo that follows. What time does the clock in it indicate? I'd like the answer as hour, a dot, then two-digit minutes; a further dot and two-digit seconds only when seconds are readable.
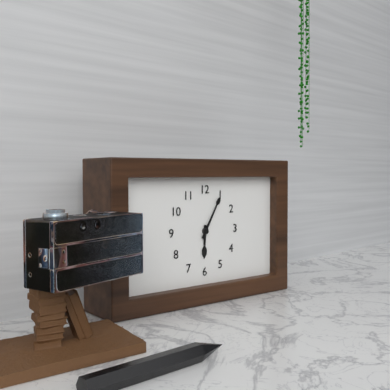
6.05
